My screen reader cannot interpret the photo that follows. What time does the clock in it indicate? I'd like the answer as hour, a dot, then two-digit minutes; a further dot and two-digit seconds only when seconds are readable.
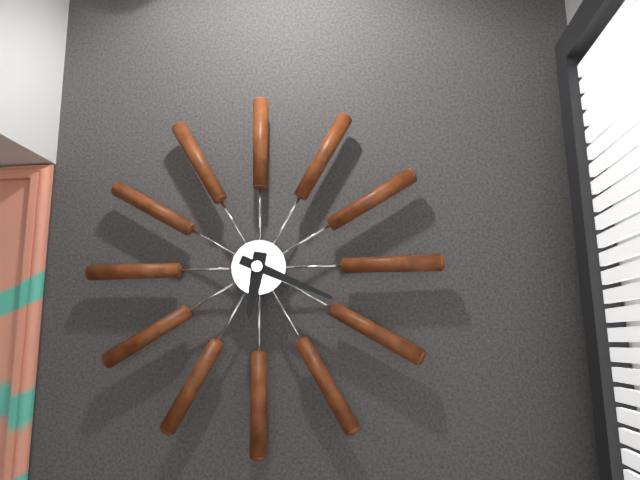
6.19
